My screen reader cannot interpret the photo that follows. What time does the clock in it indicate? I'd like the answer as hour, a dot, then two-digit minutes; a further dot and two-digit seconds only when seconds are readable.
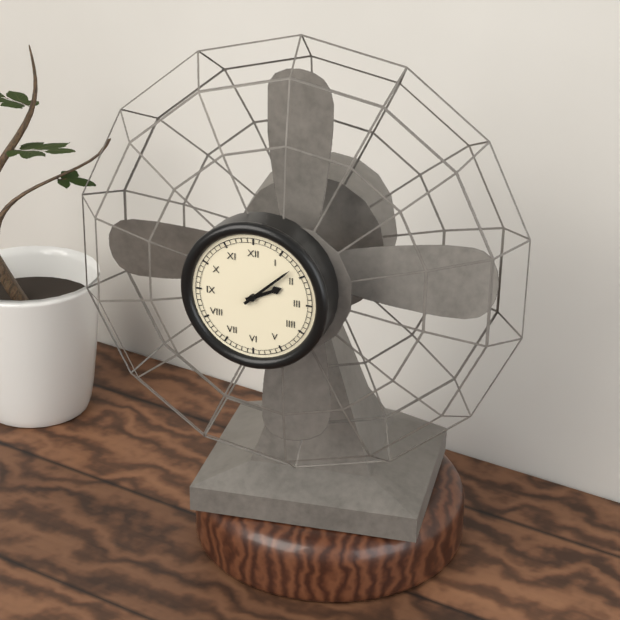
2.08
